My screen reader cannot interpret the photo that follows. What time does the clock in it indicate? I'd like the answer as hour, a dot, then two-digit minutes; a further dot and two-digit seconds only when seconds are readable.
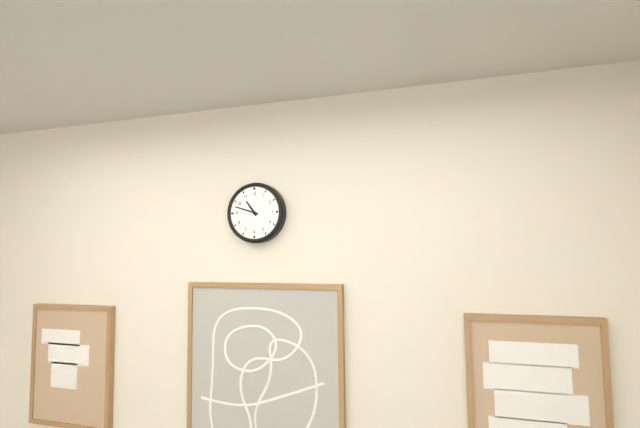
10.48
